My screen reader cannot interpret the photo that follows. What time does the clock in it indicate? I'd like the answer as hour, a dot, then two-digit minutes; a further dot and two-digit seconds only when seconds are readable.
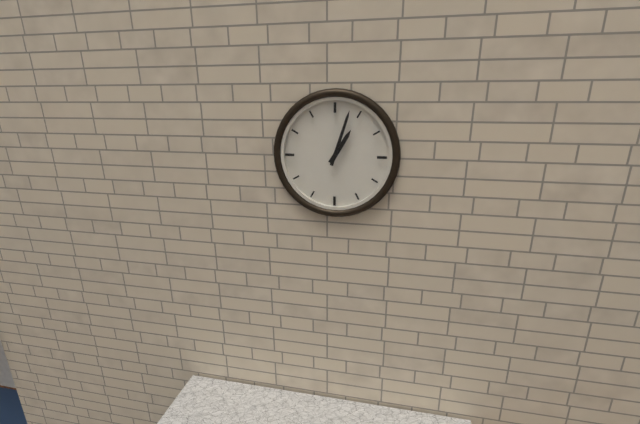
1.03
